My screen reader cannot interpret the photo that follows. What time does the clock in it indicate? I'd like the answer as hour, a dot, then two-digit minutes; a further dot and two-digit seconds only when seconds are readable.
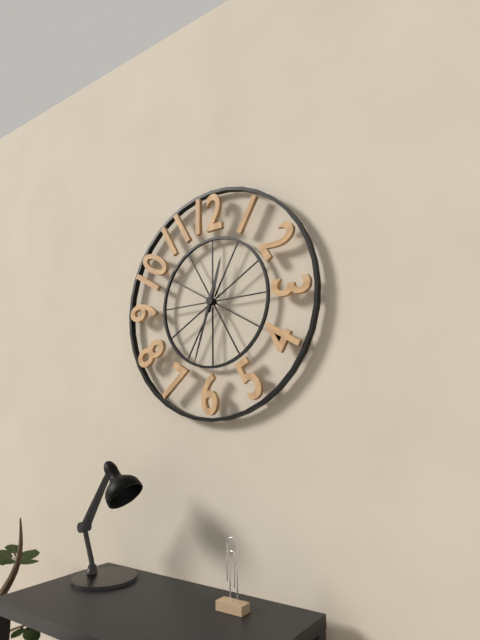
12.33
